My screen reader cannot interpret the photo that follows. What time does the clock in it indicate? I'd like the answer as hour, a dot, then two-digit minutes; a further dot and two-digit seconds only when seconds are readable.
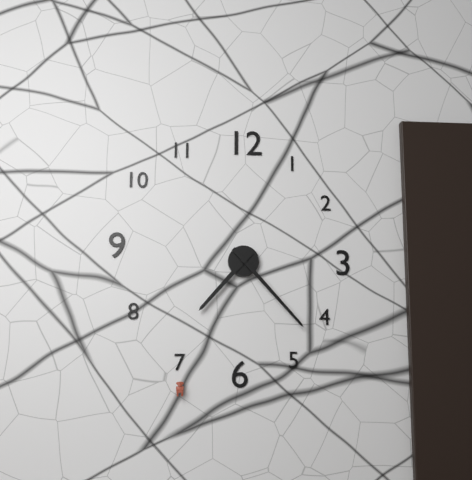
7.23
